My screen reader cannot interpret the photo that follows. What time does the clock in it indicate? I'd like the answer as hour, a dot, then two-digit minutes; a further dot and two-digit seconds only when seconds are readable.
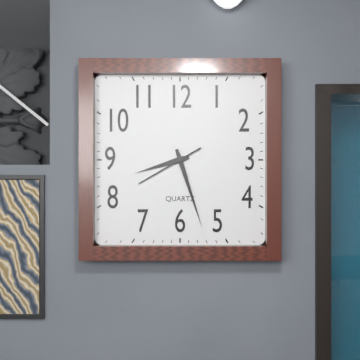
8.27.40
